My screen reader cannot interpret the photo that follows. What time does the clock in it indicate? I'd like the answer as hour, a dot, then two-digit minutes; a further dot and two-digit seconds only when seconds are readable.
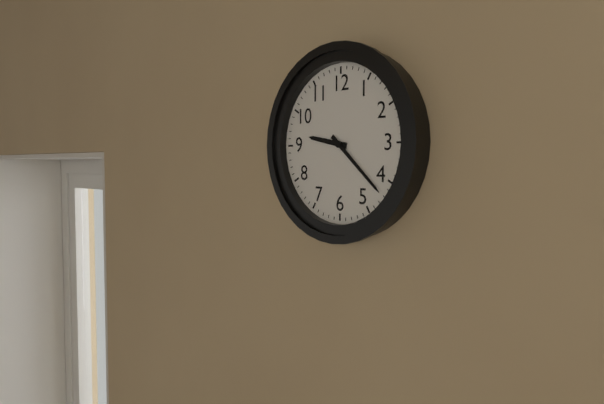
9.22
